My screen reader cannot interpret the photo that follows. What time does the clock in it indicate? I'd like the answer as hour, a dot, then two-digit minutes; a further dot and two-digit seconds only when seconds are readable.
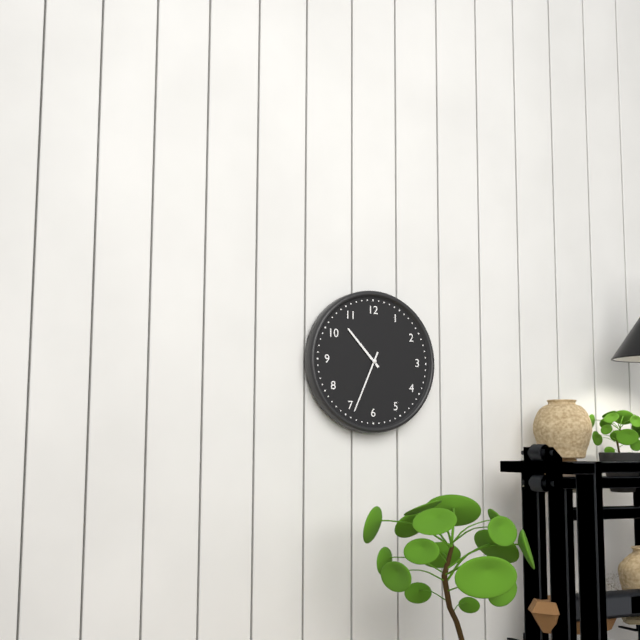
10.34
